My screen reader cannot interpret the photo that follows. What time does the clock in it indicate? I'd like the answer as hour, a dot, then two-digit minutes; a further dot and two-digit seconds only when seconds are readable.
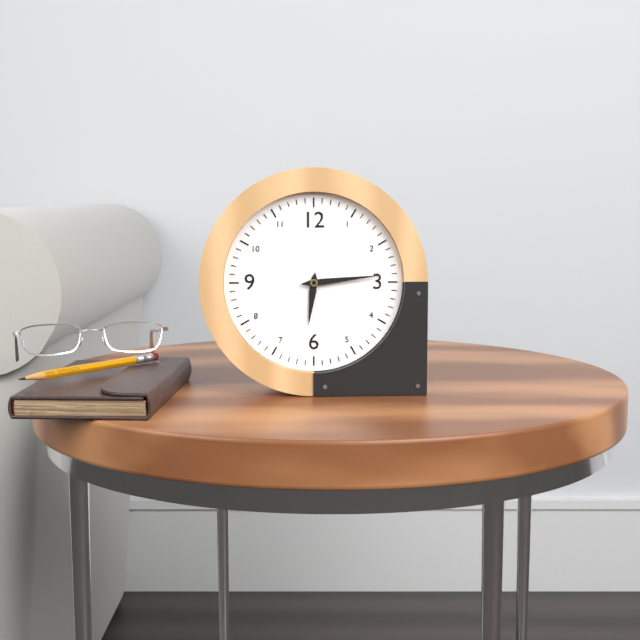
6.14
